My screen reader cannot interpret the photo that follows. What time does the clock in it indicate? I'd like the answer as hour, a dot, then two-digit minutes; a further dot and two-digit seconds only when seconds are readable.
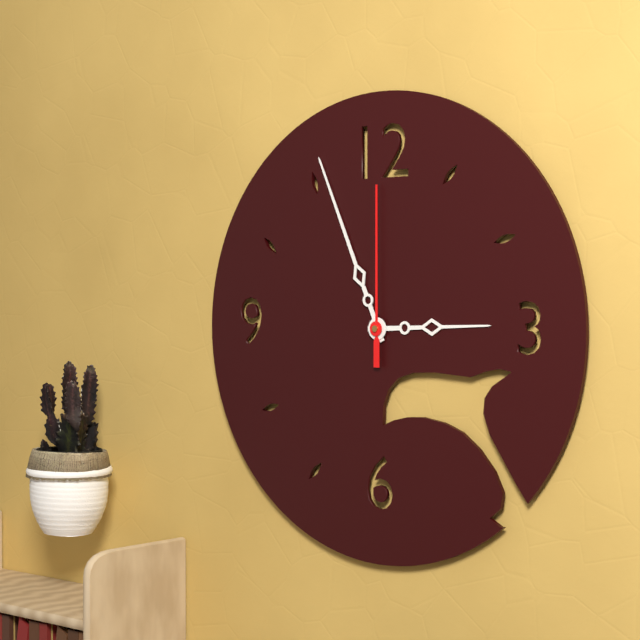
2.56.00
